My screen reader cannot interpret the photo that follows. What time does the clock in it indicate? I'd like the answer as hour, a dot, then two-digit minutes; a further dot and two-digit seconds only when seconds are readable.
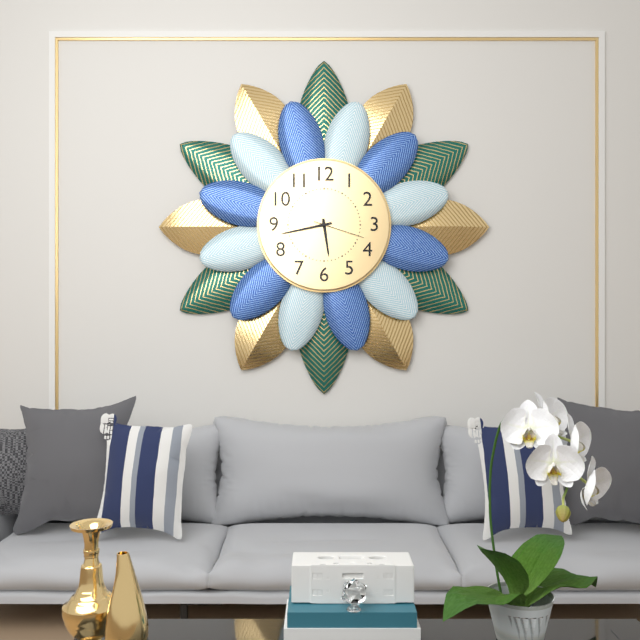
5.43.18
